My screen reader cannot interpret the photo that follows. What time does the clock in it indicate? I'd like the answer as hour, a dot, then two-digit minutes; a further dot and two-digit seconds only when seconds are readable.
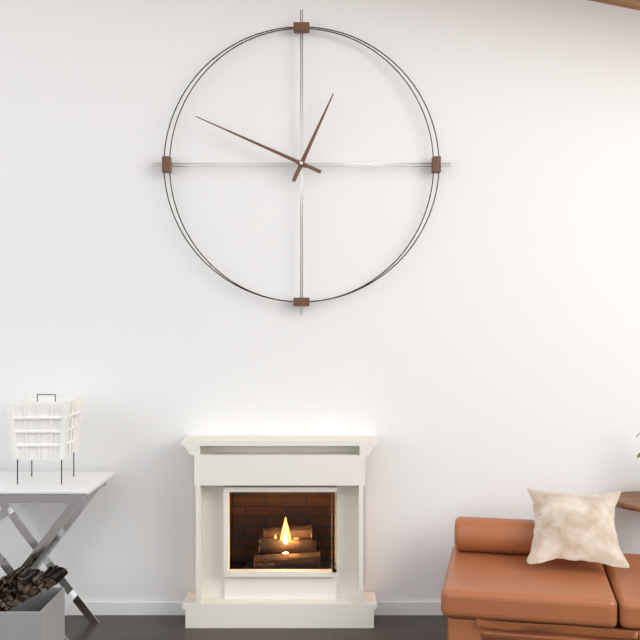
12.49
